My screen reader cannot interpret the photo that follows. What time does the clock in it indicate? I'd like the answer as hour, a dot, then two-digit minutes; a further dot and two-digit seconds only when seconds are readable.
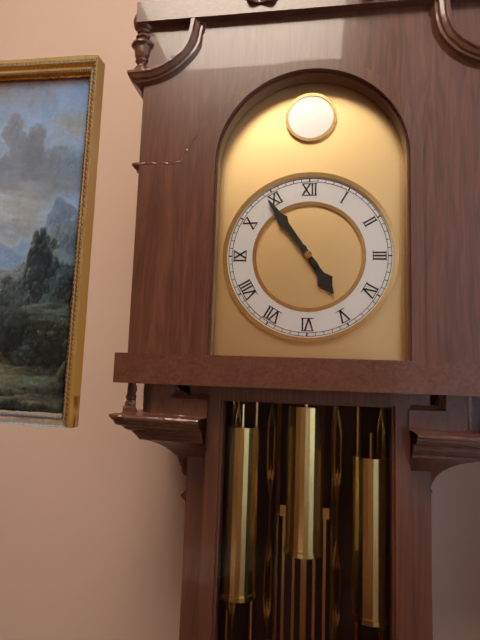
4.54
